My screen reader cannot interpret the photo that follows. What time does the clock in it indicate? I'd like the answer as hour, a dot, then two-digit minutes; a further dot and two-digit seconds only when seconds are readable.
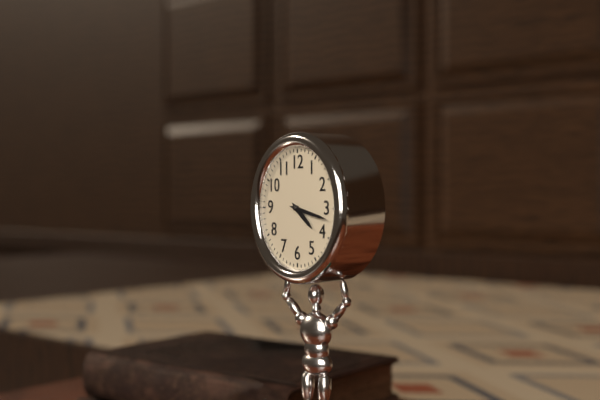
4.17
